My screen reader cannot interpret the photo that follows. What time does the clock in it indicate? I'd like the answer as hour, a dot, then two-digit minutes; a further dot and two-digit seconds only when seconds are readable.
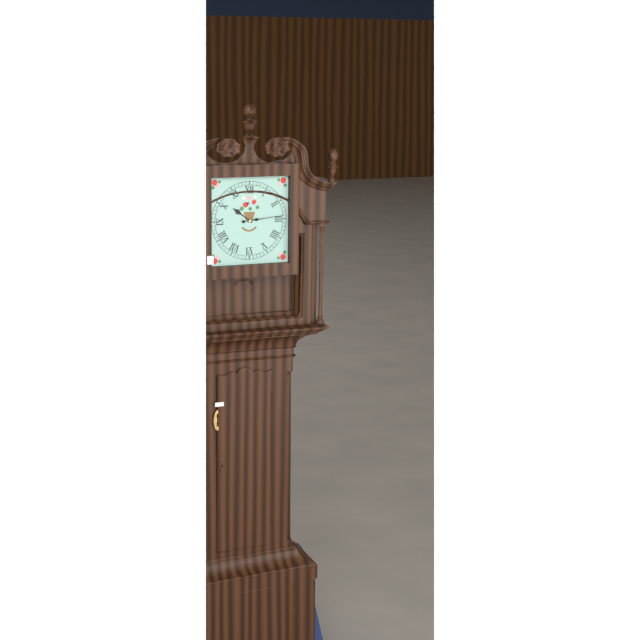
10.14
